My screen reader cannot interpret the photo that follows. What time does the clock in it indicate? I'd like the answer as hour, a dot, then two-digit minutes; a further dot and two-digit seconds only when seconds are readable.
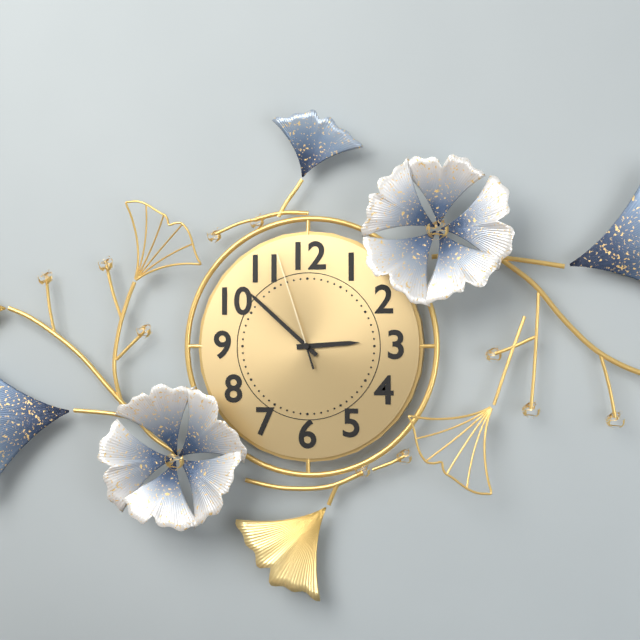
2.52.57
